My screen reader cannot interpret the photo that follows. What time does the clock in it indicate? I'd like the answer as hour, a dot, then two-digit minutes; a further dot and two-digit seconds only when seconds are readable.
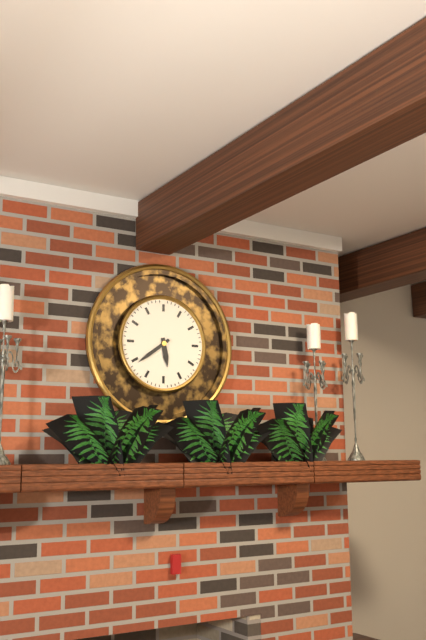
5.39
